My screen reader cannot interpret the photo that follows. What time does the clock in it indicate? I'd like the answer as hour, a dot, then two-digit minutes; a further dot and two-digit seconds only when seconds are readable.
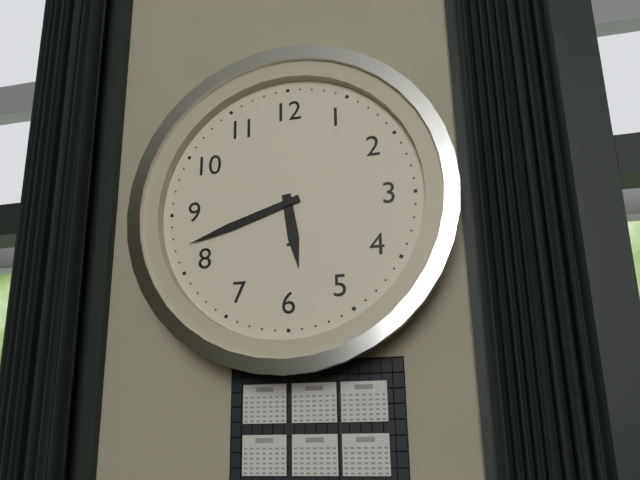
5.42
